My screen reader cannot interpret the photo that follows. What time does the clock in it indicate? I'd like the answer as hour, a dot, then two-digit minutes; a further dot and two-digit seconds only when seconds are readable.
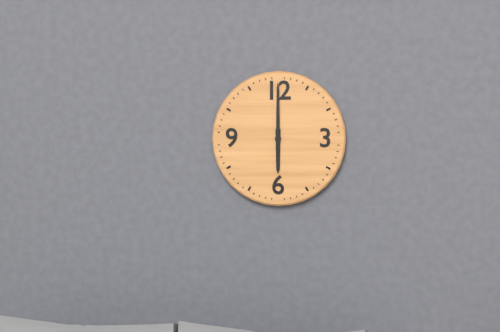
6.00
